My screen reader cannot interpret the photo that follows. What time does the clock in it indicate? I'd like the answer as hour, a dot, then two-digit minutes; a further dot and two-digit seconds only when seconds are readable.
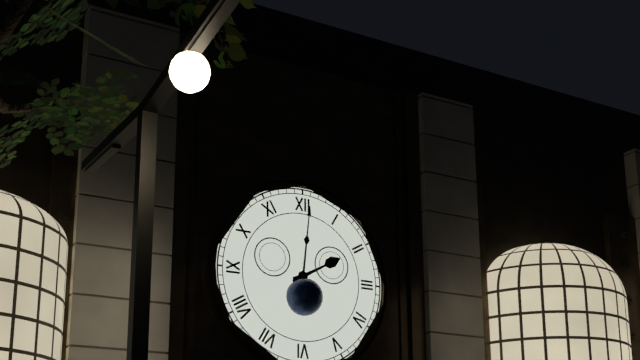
2.01
